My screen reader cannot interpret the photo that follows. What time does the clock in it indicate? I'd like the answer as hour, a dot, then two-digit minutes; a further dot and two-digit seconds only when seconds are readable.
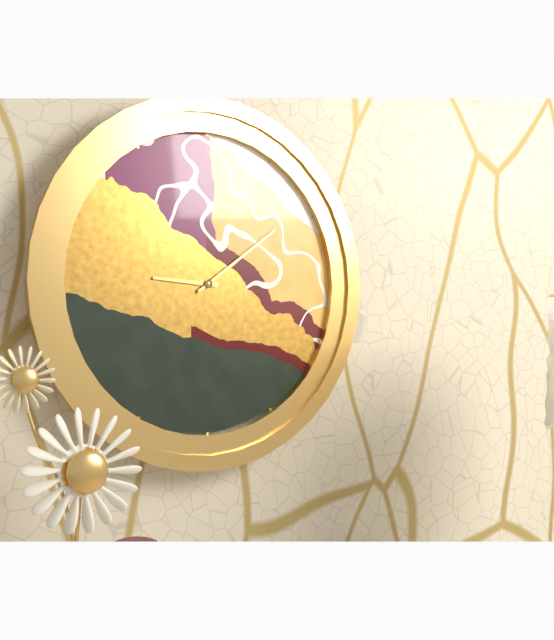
9.09
